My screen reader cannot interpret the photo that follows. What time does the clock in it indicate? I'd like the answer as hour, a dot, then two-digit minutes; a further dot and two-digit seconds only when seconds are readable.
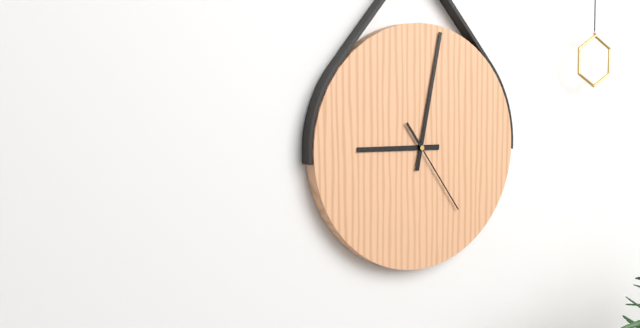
9.02.24
